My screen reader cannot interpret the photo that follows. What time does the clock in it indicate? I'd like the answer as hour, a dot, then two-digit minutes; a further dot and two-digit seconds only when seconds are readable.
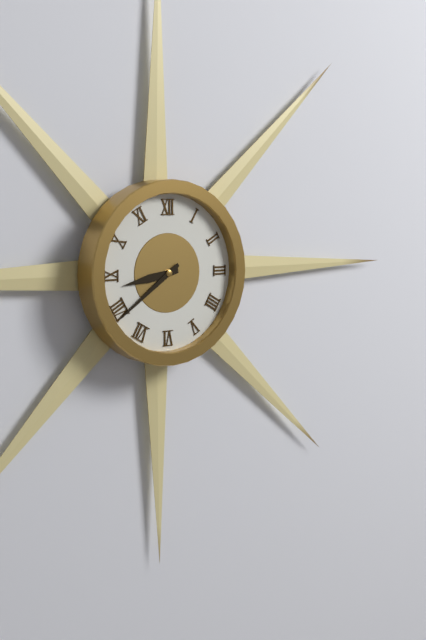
8.39
